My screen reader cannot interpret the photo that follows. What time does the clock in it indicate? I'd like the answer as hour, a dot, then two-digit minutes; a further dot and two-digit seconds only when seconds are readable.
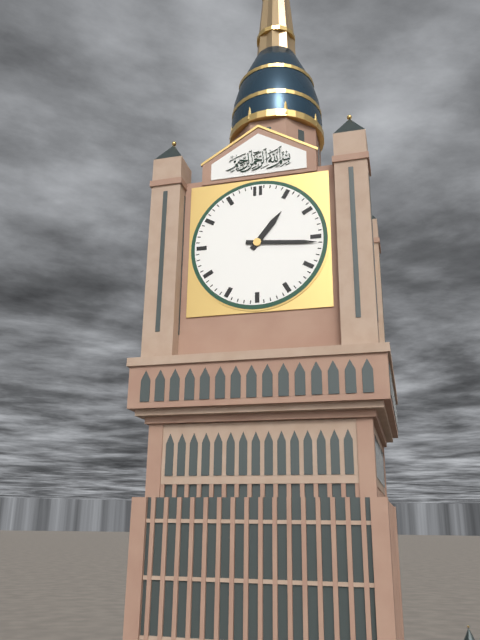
1.16
